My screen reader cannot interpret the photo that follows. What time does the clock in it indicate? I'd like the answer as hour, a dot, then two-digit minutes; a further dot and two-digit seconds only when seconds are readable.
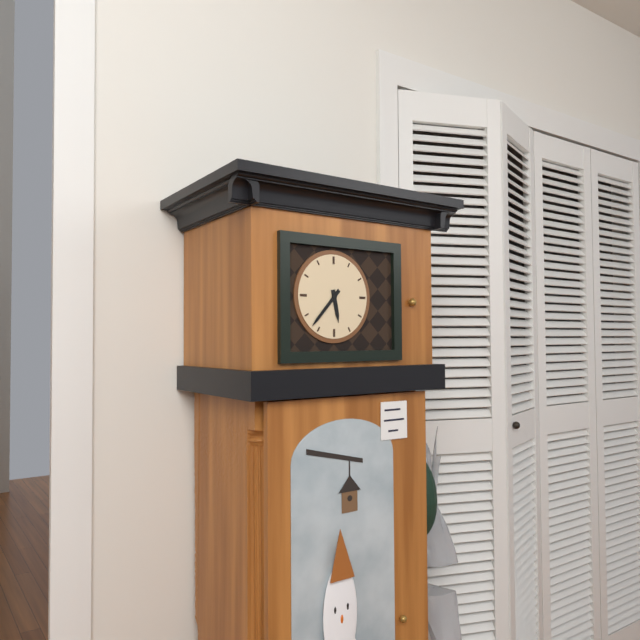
5.37
